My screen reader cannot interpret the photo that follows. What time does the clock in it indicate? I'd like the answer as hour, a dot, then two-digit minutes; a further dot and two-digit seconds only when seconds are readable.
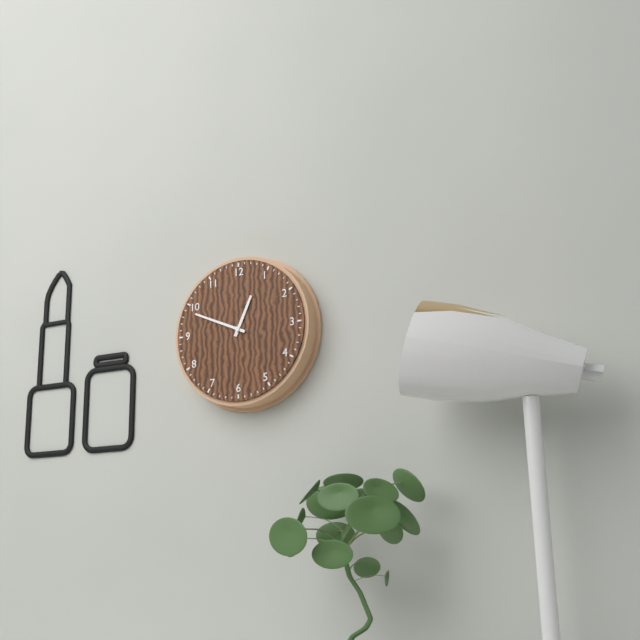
12.49
